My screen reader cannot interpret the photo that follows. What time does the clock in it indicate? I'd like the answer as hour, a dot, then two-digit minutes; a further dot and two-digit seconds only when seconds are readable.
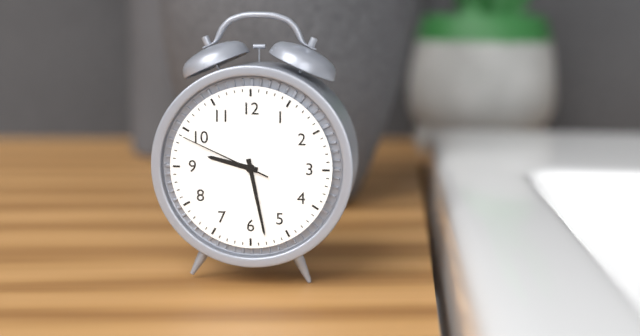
9.28.49
